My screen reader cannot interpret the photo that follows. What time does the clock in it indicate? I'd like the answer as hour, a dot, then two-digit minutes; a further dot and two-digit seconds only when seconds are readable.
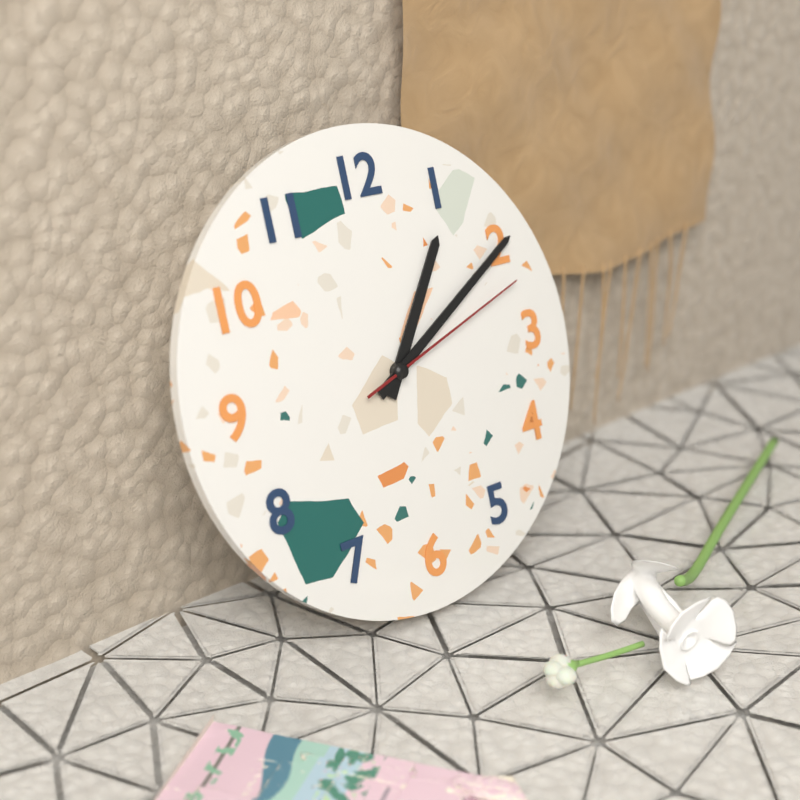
1.10.12
